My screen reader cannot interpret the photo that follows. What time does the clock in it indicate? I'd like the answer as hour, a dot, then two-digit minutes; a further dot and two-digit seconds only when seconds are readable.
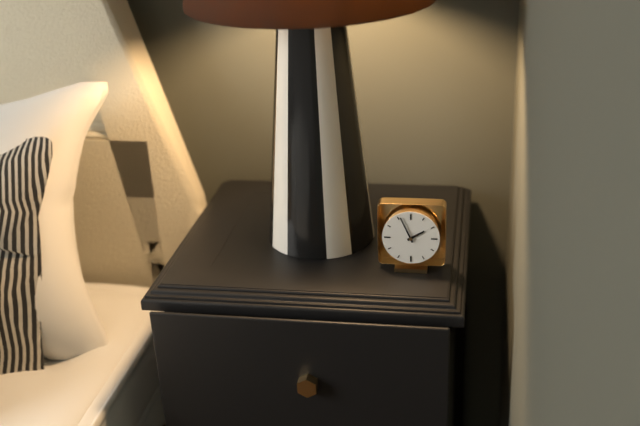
1.56
